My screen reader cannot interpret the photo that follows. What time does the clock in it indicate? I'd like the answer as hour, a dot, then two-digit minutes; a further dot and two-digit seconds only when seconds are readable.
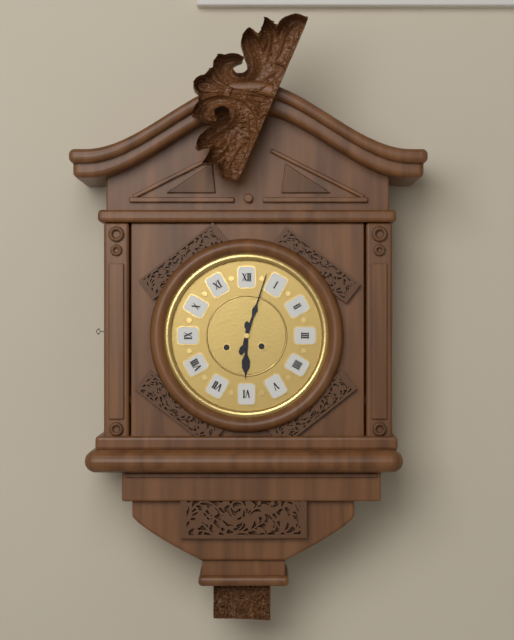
6.03
